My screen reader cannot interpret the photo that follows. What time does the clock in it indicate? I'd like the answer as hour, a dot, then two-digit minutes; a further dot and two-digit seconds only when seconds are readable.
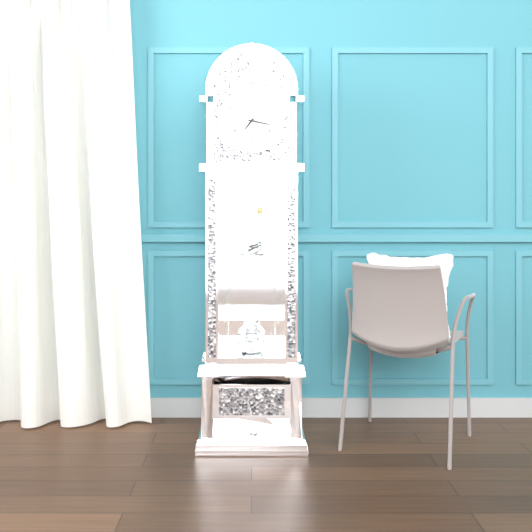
7.17
